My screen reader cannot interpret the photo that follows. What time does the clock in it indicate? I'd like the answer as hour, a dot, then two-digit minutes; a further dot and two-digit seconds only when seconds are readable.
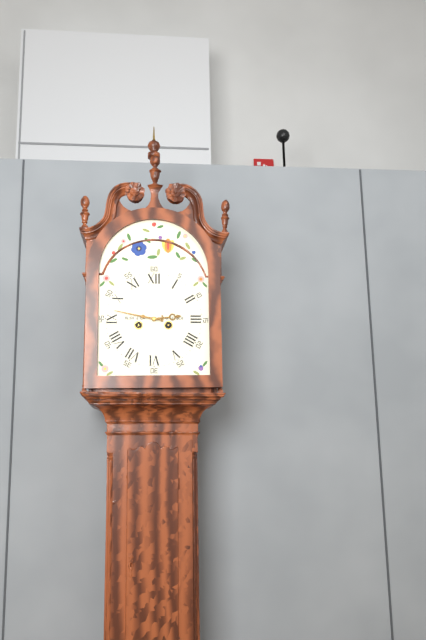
2.47
